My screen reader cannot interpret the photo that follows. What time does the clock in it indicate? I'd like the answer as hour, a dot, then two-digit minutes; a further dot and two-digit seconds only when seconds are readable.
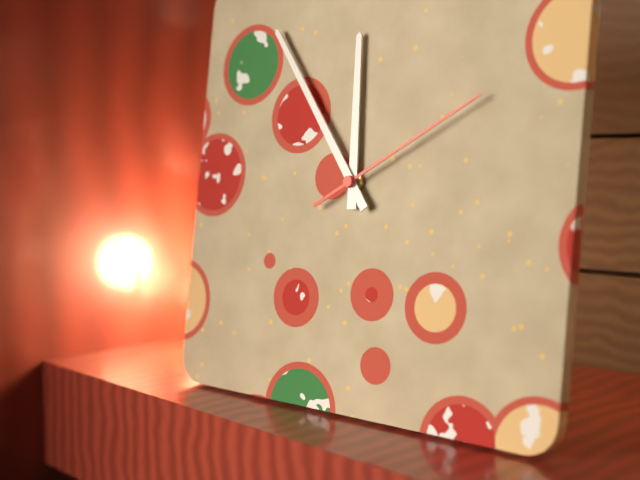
11.54.10
